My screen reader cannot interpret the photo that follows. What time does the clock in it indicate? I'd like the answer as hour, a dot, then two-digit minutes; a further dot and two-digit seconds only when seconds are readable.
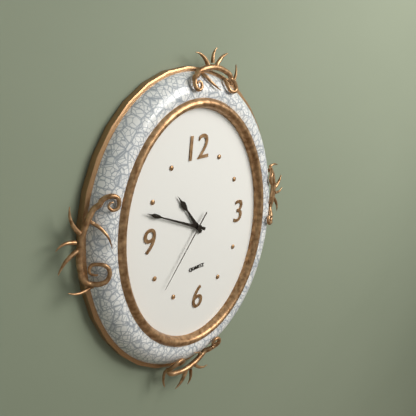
10.49.37
